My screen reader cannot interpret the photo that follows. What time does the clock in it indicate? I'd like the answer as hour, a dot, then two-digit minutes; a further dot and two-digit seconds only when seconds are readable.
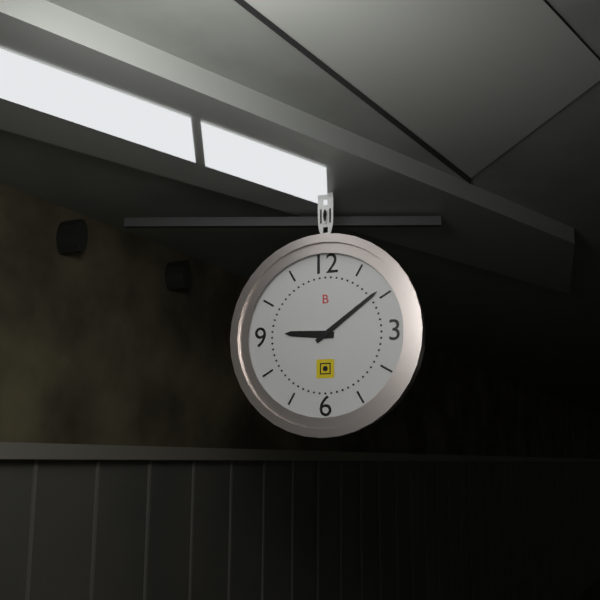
9.09
